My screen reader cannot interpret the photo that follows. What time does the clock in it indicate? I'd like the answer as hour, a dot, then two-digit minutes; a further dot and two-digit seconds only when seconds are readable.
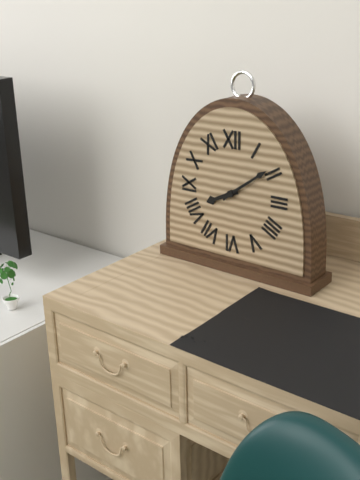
8.09
